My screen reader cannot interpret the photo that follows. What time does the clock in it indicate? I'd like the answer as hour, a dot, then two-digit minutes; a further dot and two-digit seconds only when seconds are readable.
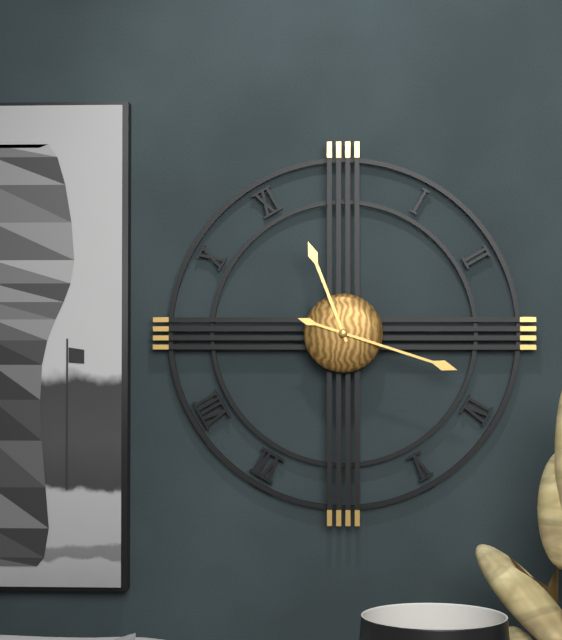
11.18
